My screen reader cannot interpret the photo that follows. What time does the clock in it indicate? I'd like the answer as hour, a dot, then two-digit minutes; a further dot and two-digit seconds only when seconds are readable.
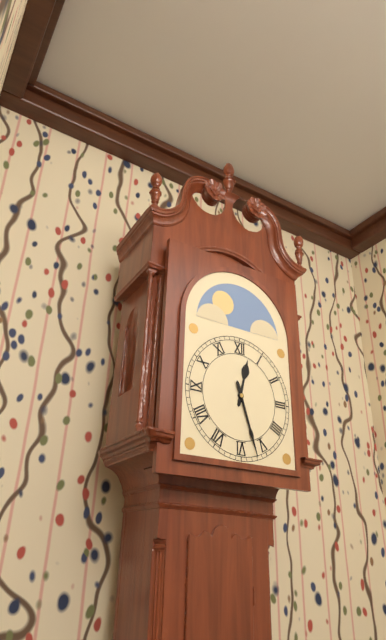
12.27
